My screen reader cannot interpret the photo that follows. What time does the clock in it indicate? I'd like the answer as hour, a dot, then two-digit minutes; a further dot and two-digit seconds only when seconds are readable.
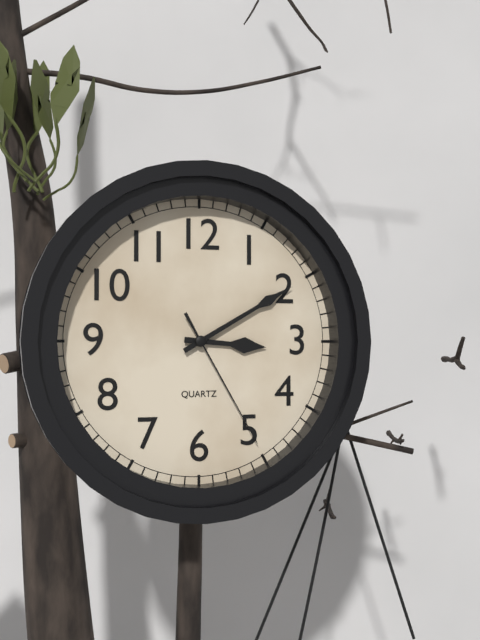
3.10.25
